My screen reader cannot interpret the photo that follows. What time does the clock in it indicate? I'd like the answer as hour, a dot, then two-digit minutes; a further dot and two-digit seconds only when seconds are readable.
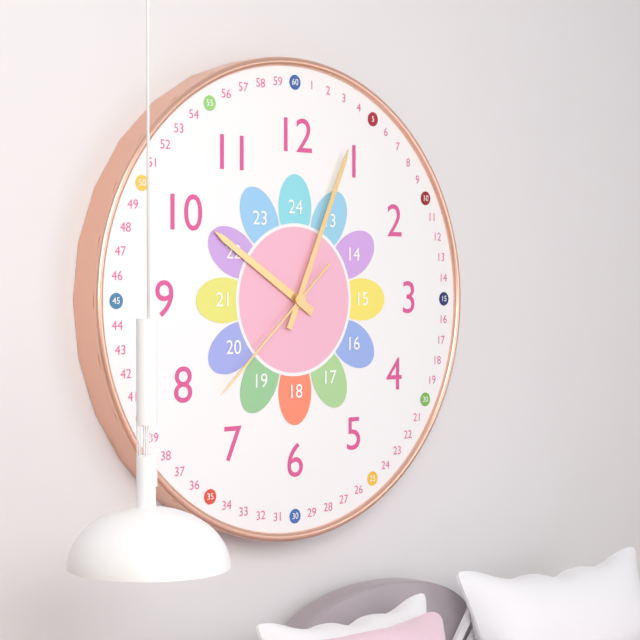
10.04.38
